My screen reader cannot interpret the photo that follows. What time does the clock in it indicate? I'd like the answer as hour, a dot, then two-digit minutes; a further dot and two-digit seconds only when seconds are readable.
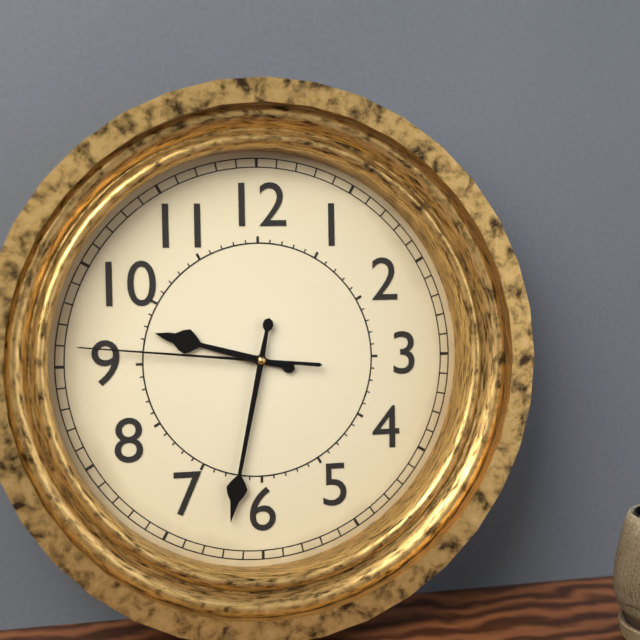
9.32.46
